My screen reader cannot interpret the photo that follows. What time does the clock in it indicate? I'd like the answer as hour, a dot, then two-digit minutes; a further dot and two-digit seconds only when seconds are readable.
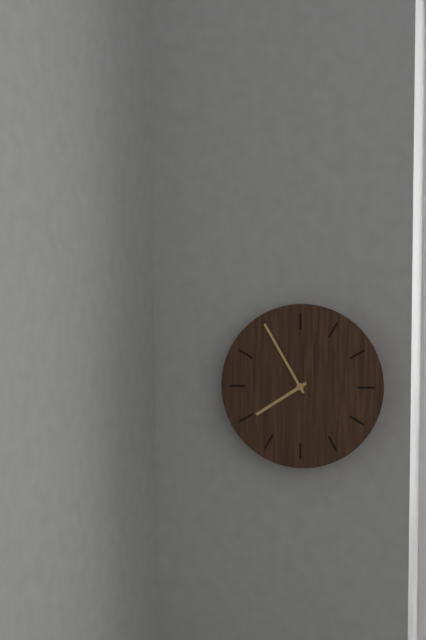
7.55
